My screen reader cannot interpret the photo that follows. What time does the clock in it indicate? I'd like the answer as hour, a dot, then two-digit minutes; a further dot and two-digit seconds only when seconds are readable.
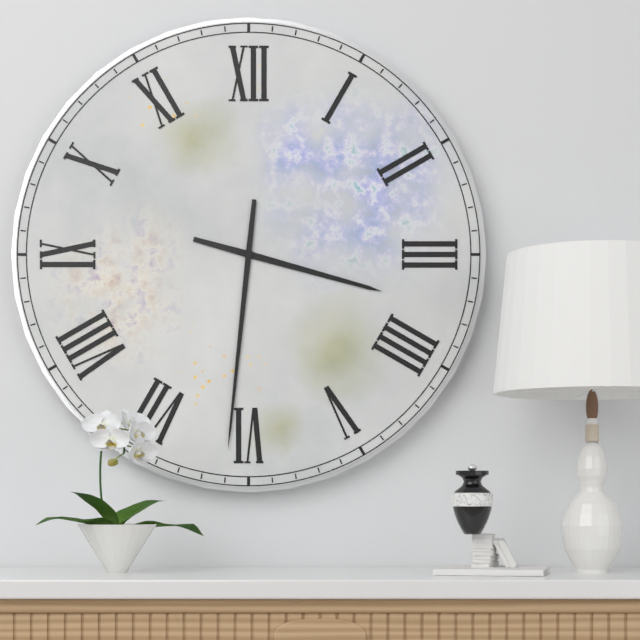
3.31
